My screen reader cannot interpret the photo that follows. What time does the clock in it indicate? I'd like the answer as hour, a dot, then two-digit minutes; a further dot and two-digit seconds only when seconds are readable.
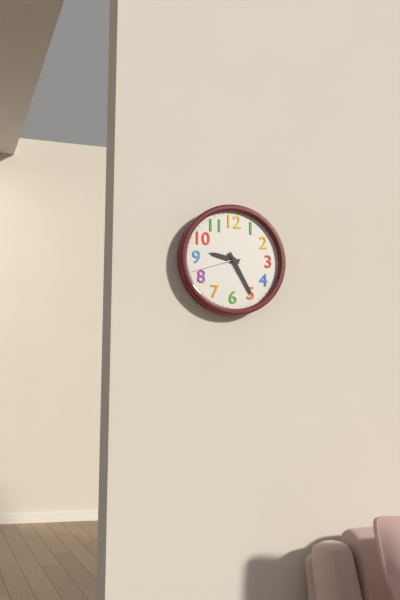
9.25.42
